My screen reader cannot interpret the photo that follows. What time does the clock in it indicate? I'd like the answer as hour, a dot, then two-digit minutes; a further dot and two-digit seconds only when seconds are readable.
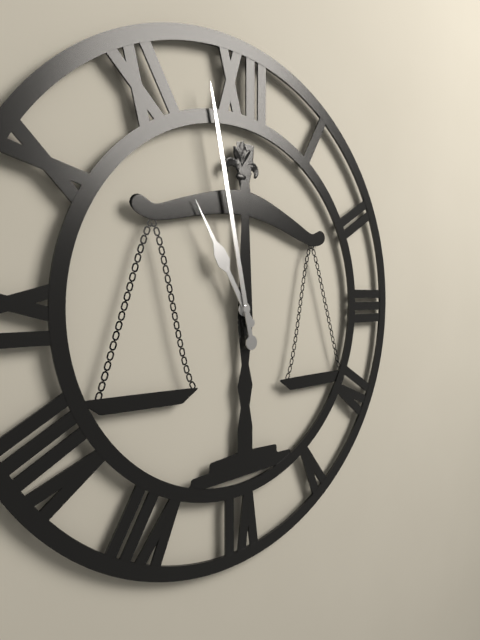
10.58
